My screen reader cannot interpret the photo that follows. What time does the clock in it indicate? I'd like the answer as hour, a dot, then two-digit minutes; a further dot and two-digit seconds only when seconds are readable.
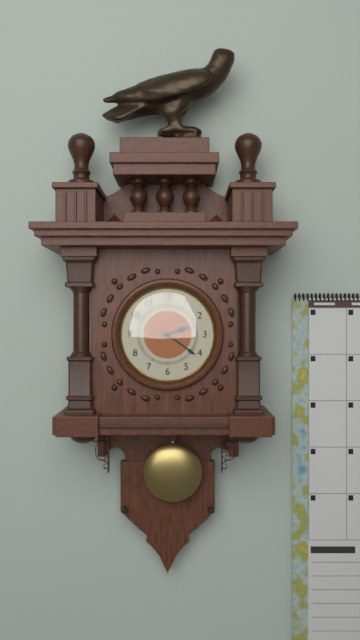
2.21
